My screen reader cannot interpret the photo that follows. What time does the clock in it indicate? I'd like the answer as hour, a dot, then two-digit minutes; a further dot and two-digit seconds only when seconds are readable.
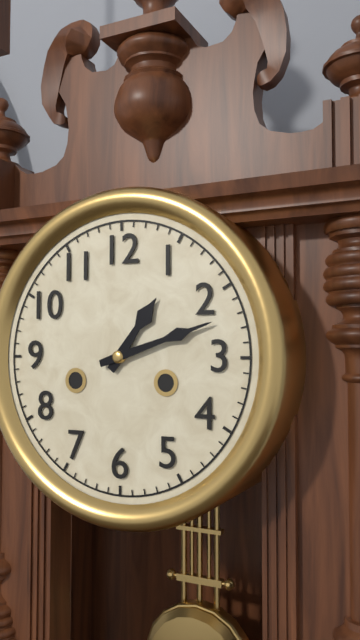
1.12
